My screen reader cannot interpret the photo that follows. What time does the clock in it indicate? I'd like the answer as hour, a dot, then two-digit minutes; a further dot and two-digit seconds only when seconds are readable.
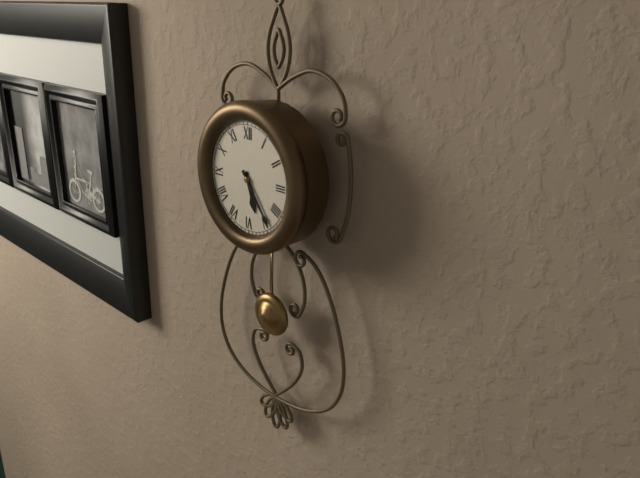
5.24
